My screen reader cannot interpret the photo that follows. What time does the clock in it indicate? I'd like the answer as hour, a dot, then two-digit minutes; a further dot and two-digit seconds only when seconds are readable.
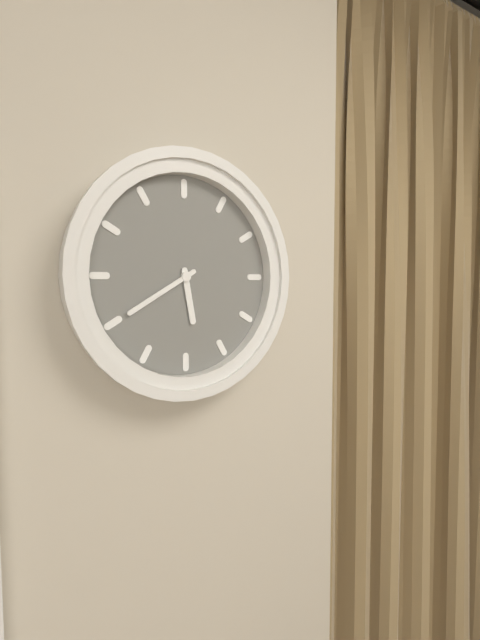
5.40
